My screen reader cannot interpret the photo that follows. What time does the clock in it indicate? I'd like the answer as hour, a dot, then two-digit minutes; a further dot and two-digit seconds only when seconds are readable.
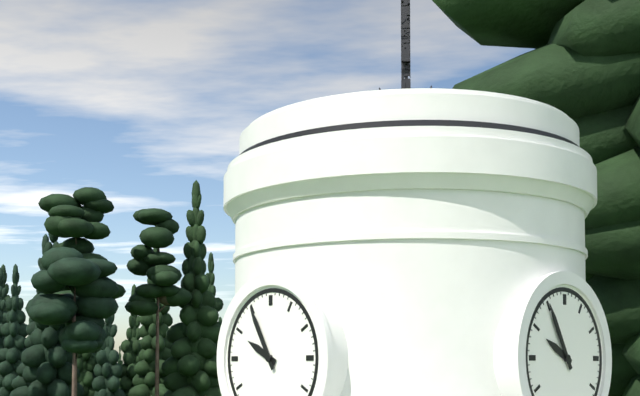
9.55
